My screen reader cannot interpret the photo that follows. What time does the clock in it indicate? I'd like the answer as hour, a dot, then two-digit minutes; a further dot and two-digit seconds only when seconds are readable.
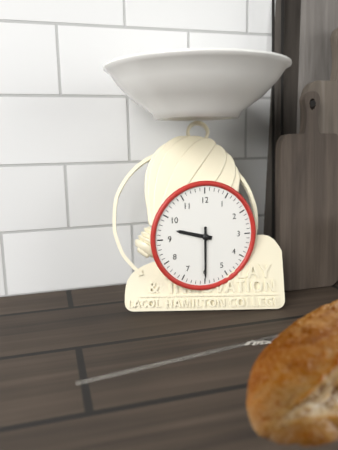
9.30
